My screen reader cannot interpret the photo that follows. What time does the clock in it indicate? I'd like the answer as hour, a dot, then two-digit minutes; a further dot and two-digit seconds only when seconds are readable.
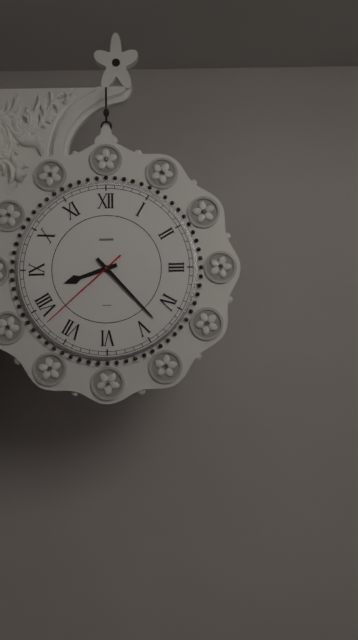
8.23.38
